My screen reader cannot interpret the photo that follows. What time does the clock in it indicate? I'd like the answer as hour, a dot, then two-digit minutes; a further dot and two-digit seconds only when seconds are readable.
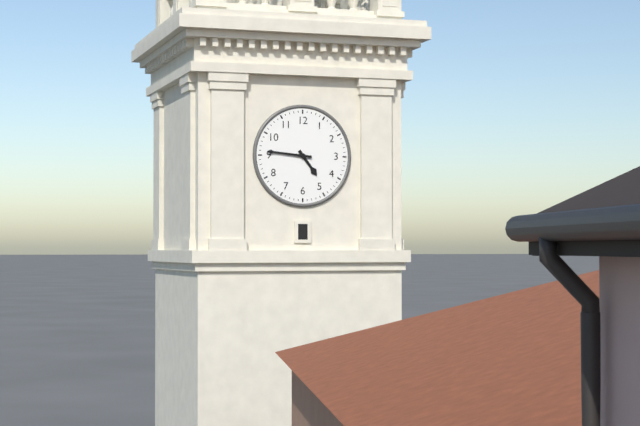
4.46
